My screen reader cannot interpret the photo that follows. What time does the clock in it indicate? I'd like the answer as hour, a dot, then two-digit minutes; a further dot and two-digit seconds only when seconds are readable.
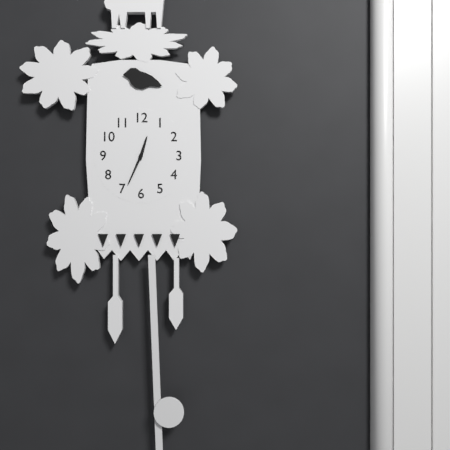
12.34
